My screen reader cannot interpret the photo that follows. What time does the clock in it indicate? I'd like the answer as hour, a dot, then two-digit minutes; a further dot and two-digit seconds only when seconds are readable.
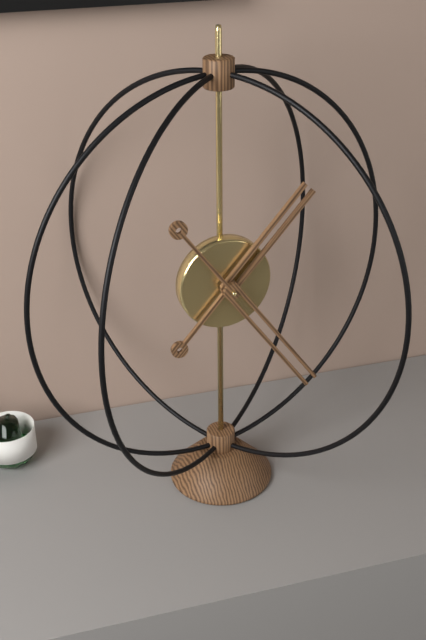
1.24
